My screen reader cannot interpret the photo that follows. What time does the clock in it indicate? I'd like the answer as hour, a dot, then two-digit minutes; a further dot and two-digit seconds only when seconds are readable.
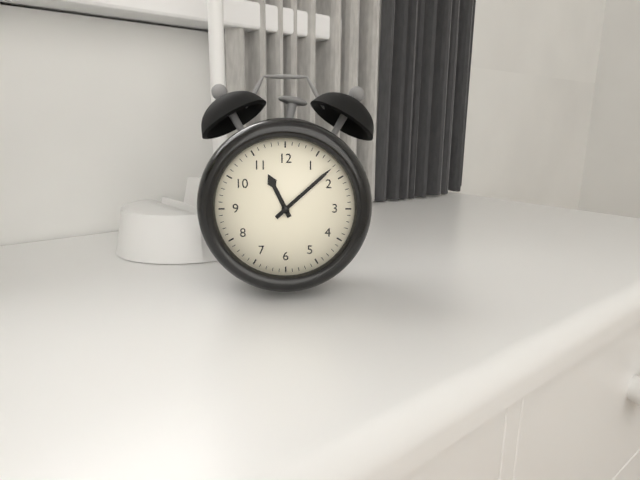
11.08
